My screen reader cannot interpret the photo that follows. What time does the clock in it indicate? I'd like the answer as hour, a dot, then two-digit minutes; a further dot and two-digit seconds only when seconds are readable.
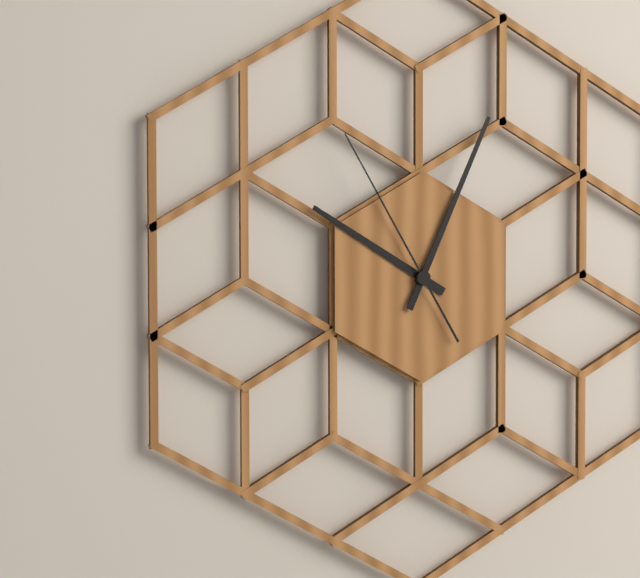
10.04.55
